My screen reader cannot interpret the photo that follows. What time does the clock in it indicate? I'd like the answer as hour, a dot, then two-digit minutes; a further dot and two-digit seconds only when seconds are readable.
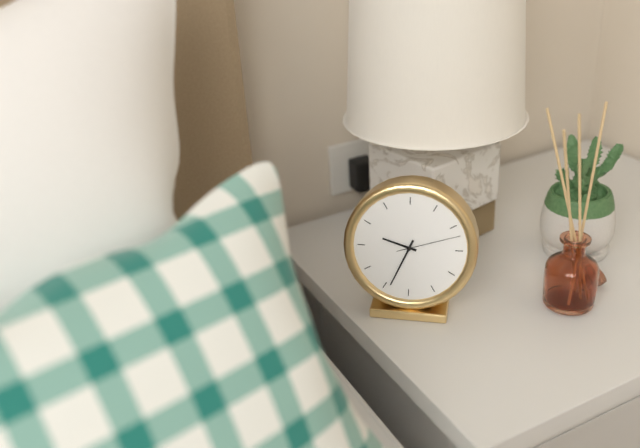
9.34.12
